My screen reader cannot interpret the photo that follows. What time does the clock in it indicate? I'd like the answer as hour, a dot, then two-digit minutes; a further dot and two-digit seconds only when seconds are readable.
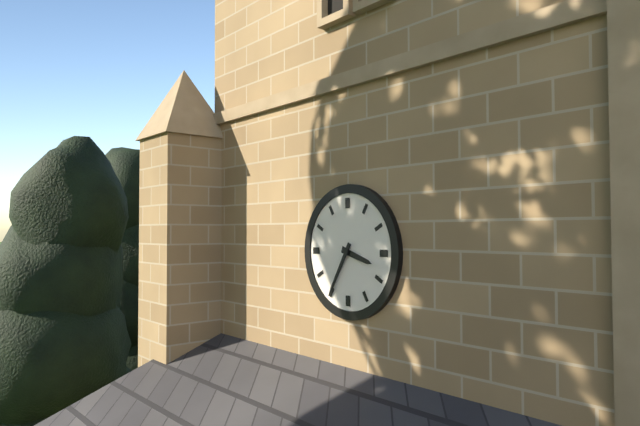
3.35
